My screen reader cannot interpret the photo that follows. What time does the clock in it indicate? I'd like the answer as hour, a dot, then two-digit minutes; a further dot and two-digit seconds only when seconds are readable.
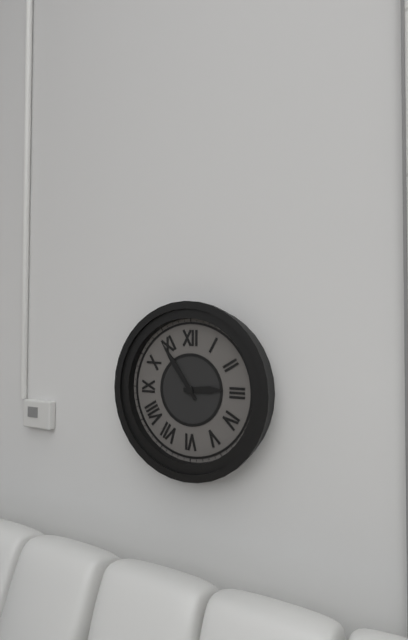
2.54
